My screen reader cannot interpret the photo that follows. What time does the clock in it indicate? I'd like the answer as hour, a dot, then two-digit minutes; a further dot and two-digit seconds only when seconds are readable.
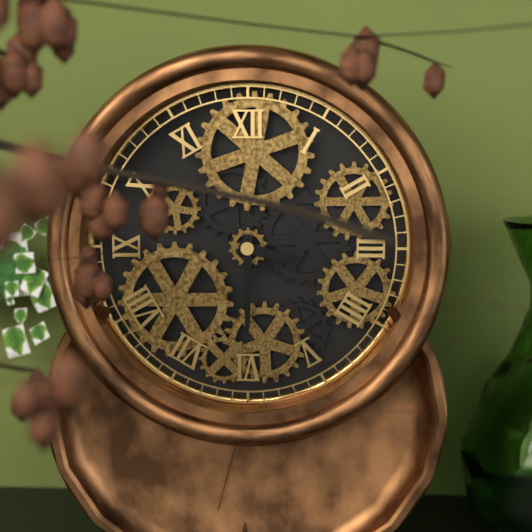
3.30
